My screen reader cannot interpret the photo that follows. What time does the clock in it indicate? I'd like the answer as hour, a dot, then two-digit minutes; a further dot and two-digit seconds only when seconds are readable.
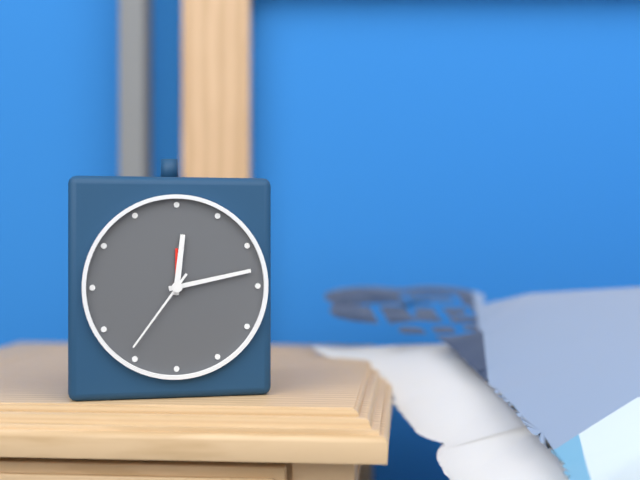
12.13.36
